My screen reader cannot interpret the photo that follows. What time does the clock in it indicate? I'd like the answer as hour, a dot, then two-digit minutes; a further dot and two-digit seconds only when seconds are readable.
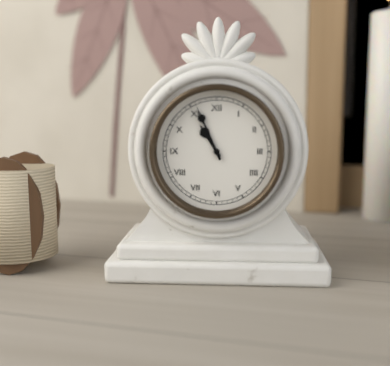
10.56
